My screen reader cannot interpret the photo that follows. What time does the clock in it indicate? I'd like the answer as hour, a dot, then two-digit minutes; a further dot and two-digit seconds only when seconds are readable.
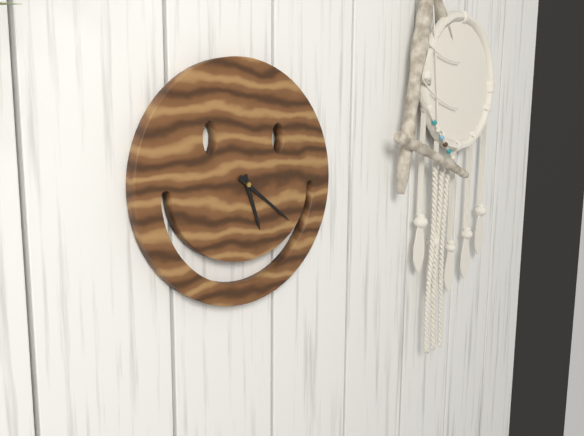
5.21
